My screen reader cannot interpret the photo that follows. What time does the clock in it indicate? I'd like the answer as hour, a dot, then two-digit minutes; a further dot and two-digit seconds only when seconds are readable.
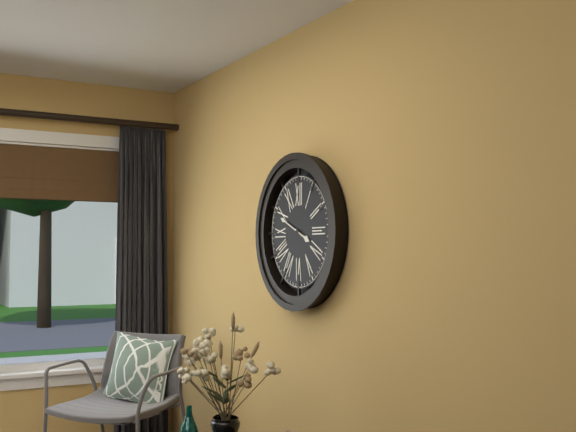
3.49
